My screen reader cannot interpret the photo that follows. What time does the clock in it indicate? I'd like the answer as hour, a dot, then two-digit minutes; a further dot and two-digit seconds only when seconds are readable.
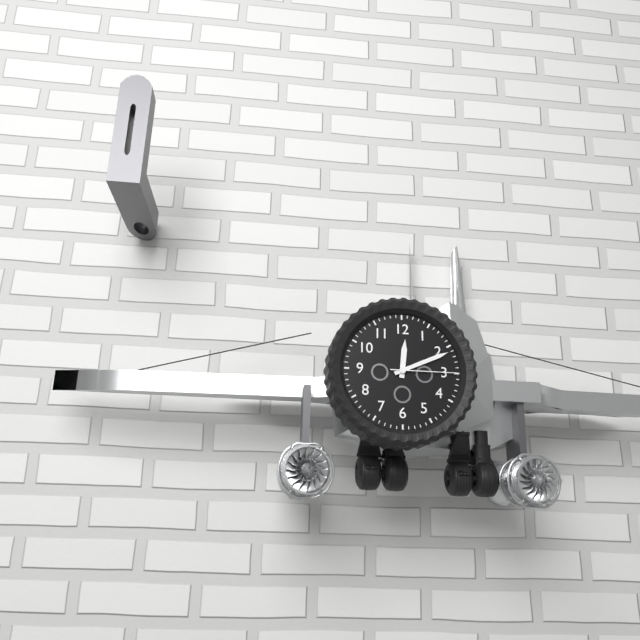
12.11.15
